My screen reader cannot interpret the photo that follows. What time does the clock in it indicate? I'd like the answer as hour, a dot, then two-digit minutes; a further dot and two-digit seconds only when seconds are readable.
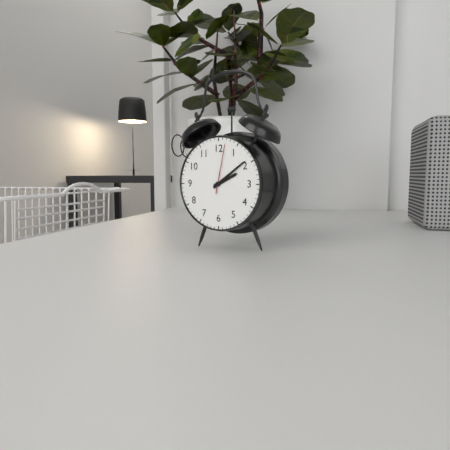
2.09.02
